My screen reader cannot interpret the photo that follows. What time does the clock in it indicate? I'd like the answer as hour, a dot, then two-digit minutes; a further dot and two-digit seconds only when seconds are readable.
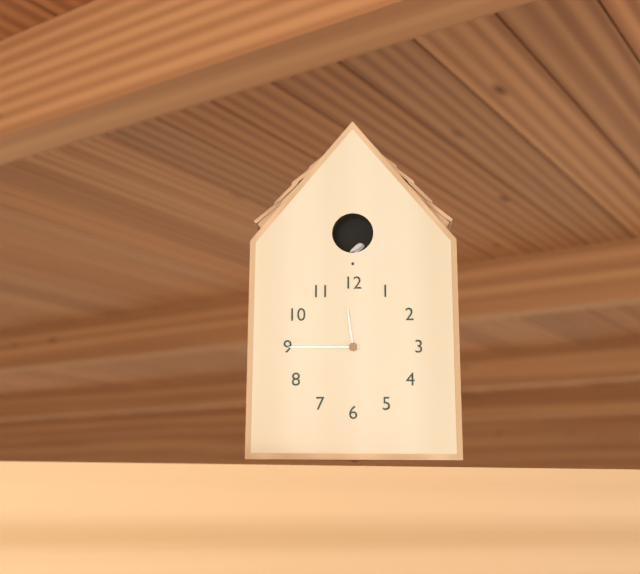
11.45
